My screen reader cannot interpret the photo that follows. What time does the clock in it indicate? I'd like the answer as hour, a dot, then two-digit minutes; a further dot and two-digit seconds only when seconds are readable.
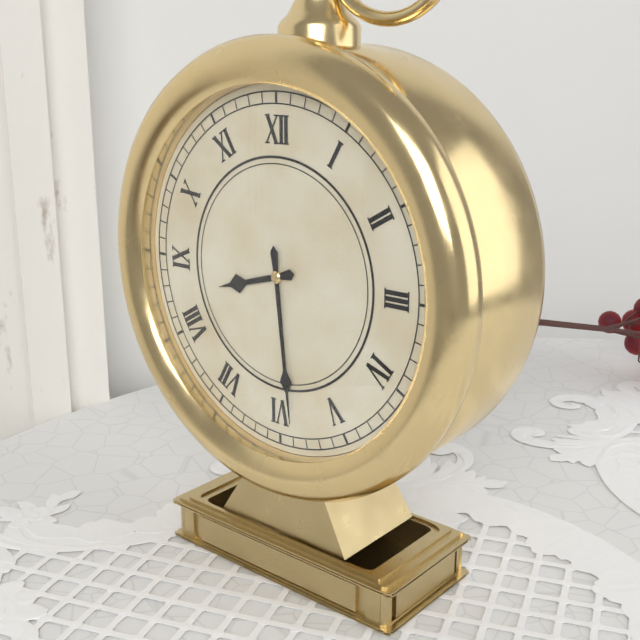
8.29
